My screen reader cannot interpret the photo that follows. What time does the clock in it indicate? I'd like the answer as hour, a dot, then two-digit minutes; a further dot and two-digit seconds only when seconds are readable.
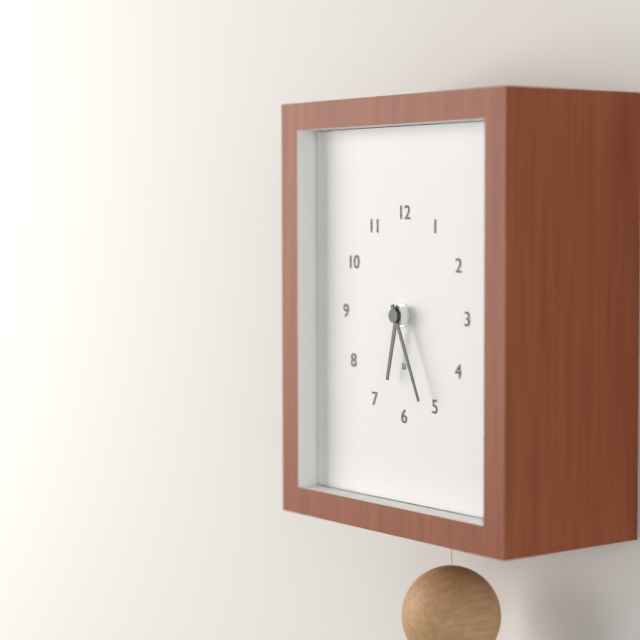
6.26
